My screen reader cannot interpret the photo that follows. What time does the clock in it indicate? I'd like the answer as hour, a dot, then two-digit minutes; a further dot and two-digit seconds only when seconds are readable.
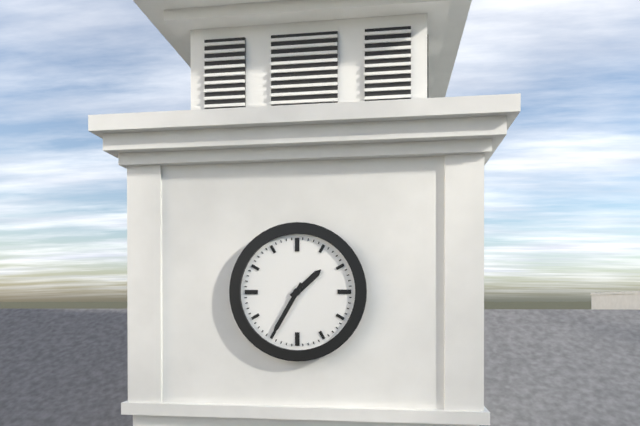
1.35
